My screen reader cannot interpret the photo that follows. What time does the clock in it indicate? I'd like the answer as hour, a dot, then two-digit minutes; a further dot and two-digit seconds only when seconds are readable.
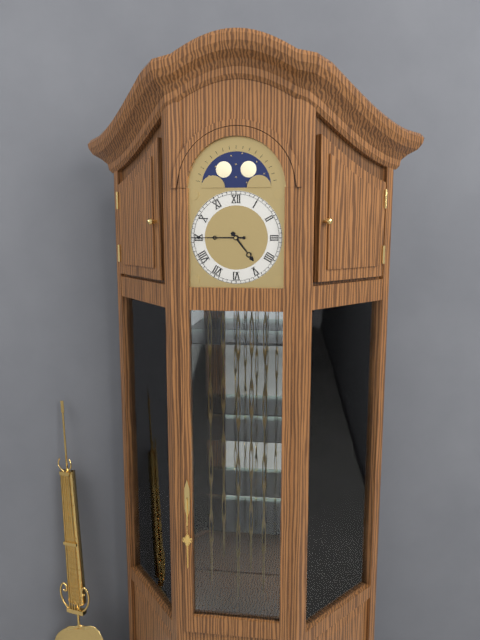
4.45
